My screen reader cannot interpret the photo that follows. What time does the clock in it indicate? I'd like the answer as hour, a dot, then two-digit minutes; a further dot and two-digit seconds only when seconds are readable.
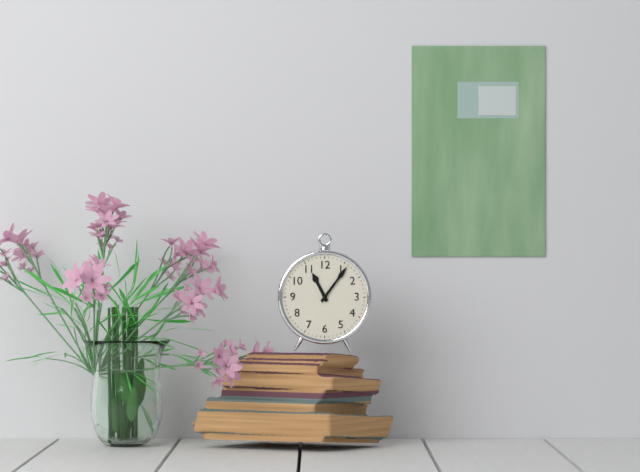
11.06
